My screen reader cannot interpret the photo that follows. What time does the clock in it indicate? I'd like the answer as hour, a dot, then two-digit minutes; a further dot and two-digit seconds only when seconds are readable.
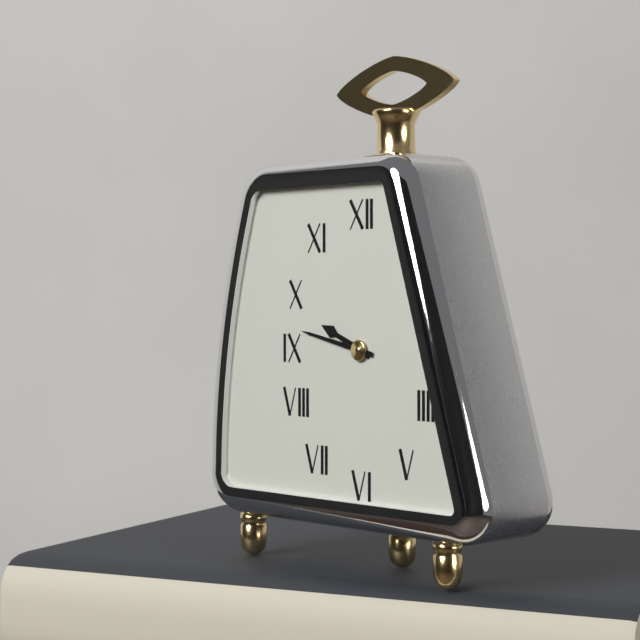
9.47
